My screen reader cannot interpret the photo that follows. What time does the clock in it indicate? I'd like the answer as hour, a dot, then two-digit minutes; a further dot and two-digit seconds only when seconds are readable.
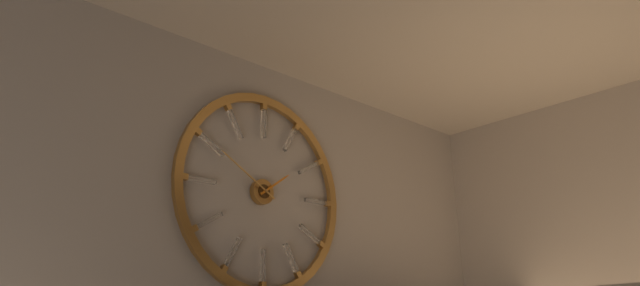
1.50
